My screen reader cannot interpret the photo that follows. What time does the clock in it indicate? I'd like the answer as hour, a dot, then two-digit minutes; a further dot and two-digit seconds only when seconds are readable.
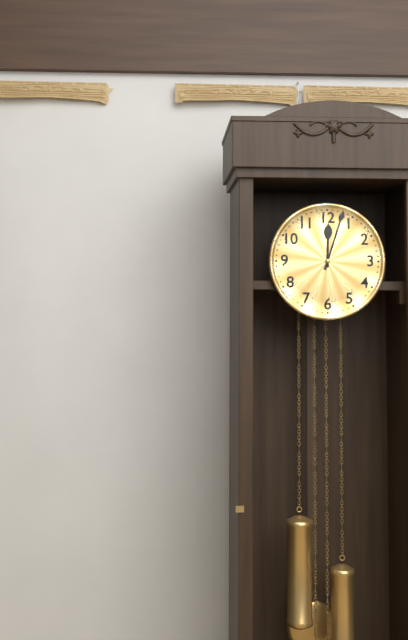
12.03
